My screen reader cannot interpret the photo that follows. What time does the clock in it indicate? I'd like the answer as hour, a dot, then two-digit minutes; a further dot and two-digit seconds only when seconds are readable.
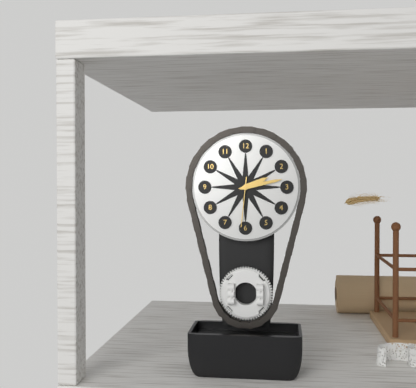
2.13.31
